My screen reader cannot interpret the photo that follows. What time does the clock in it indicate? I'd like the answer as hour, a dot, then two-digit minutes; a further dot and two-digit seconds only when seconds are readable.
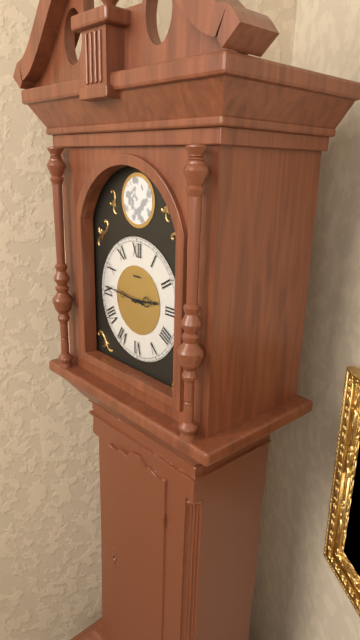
2.46
